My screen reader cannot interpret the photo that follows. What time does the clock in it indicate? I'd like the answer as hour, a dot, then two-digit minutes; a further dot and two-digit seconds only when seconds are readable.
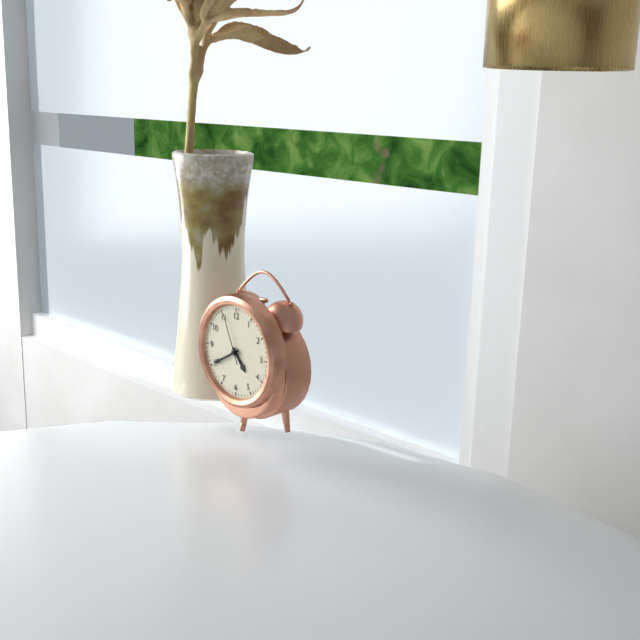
4.40.56
